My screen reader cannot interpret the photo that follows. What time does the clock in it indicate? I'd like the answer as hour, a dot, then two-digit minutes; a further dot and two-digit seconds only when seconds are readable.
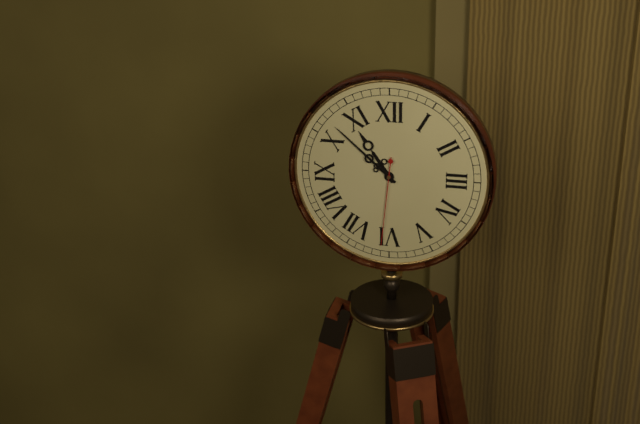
10.52.31
